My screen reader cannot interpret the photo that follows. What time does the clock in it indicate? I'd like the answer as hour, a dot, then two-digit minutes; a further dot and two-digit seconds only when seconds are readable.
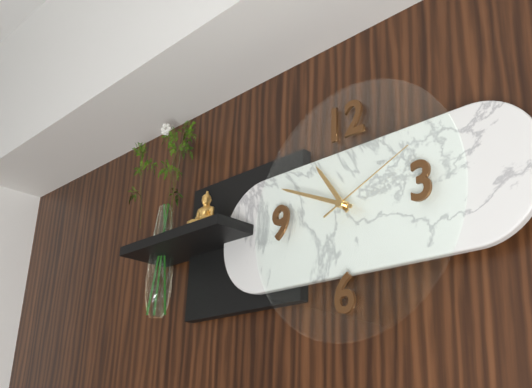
10.49.11
